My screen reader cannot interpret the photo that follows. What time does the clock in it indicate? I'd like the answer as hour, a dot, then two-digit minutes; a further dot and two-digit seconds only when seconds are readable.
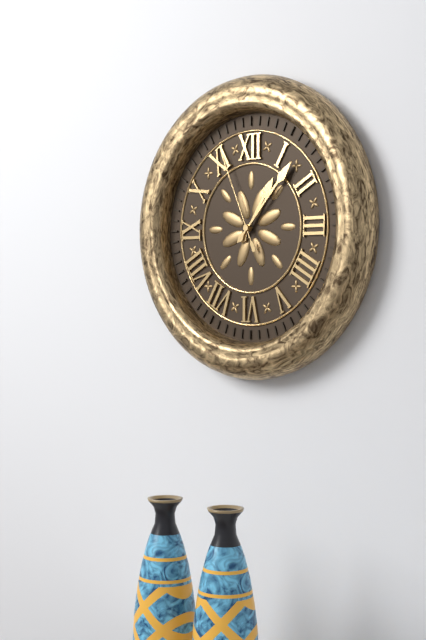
1.07.56
